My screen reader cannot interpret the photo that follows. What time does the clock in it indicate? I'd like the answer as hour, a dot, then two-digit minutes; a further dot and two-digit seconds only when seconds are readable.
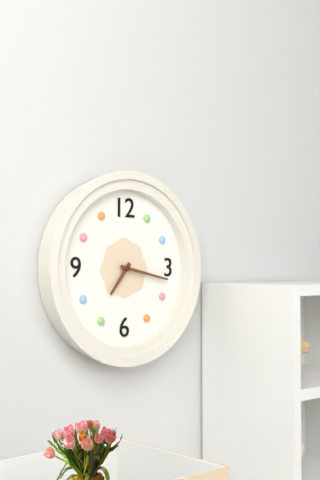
7.17
